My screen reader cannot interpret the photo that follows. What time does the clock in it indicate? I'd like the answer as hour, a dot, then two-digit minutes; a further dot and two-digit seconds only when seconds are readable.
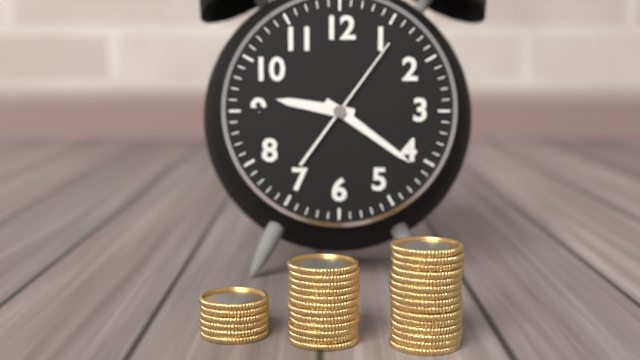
9.21.06
